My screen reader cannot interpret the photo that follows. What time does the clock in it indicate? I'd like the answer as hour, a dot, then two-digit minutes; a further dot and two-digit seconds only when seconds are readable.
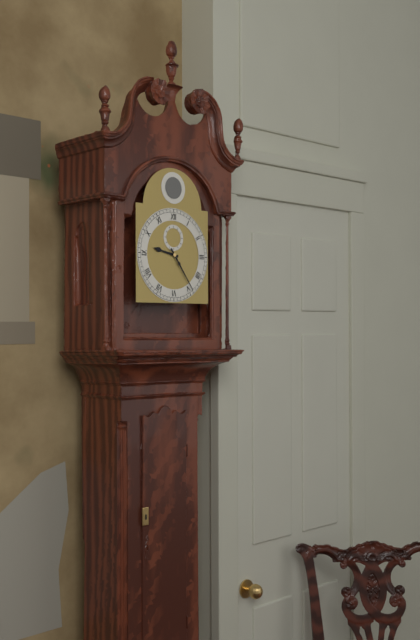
9.24
